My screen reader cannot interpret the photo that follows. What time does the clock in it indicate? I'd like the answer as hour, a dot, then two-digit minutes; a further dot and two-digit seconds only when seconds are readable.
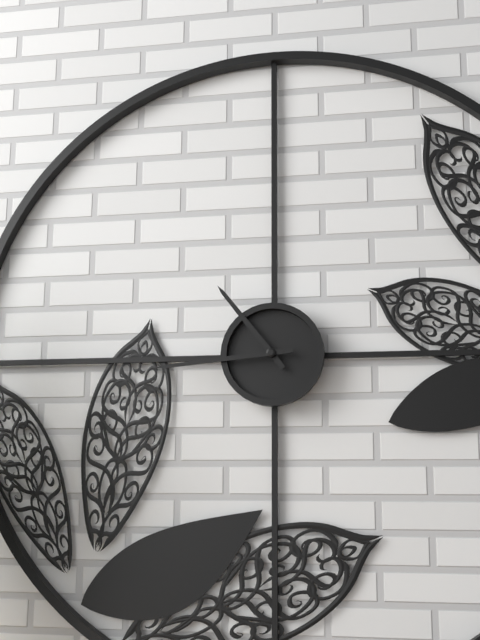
10.44
